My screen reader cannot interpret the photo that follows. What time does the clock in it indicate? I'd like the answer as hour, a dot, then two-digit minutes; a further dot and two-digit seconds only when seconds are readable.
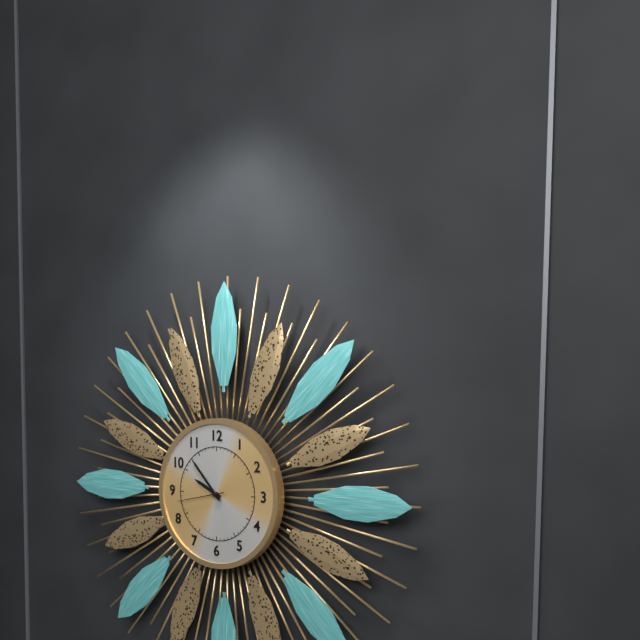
9.53.43
